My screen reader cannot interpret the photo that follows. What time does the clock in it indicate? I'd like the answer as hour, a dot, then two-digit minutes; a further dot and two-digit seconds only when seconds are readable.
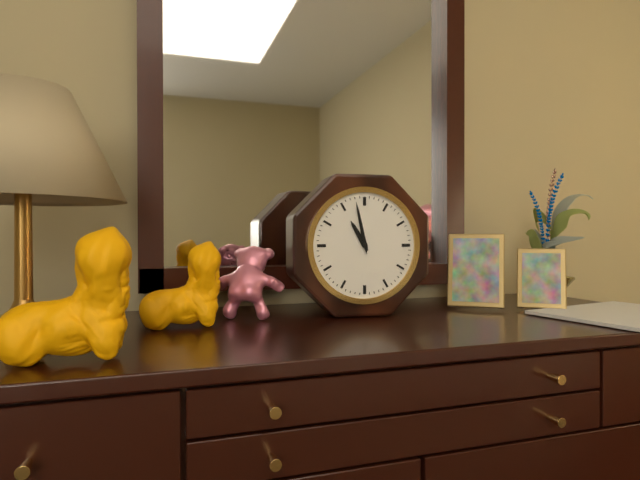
10.58
